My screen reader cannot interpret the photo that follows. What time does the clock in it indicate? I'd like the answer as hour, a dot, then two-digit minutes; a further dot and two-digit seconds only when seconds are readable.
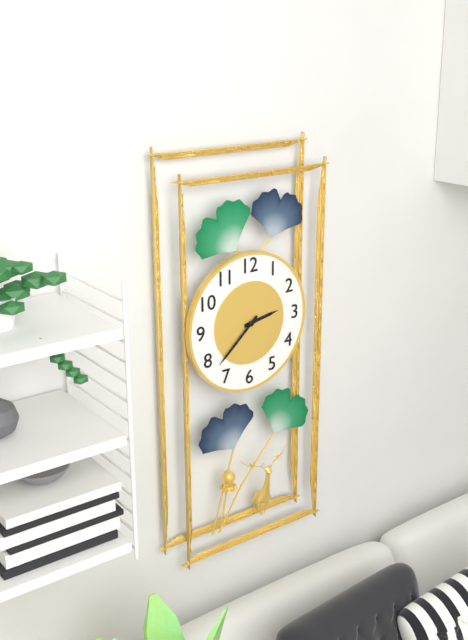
2.38
